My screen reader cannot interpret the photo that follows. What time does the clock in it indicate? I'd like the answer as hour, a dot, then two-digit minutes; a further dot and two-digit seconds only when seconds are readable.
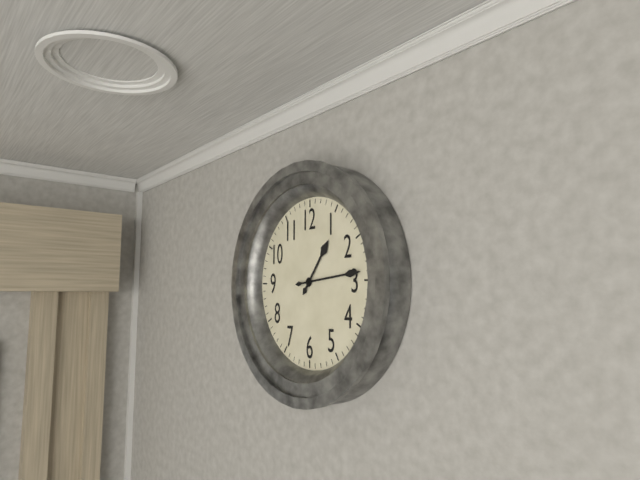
1.14
